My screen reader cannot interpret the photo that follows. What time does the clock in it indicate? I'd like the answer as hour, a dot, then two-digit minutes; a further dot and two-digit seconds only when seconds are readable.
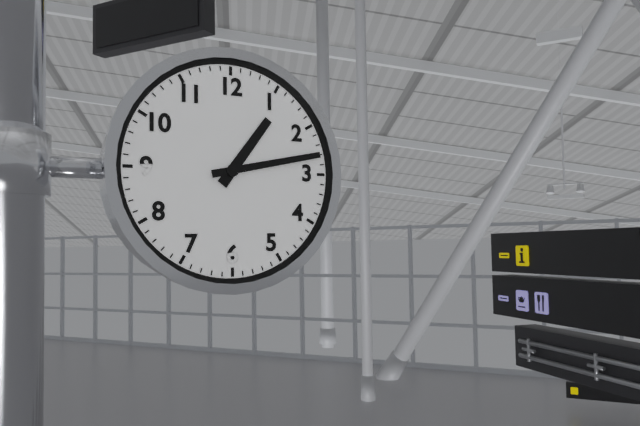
1.13
